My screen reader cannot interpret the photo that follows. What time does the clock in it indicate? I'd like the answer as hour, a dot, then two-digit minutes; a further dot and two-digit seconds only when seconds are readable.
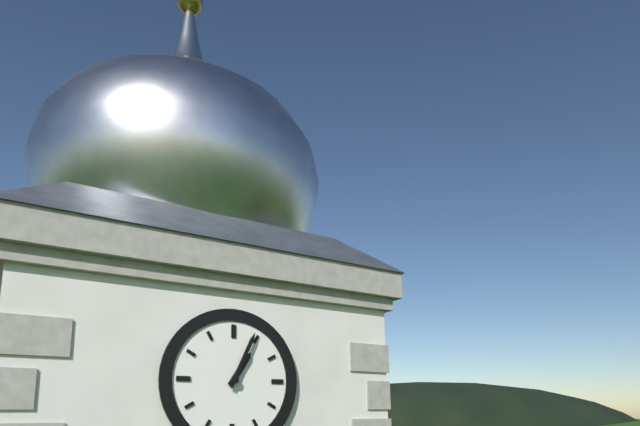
1.04
